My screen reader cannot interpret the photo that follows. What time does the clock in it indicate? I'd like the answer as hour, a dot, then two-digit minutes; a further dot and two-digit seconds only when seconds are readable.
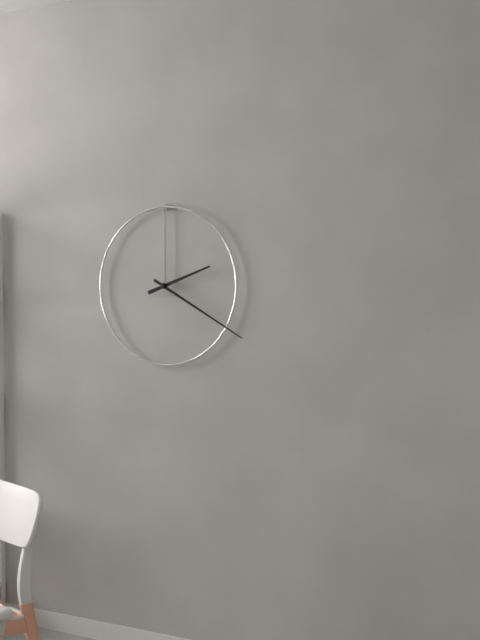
2.20
